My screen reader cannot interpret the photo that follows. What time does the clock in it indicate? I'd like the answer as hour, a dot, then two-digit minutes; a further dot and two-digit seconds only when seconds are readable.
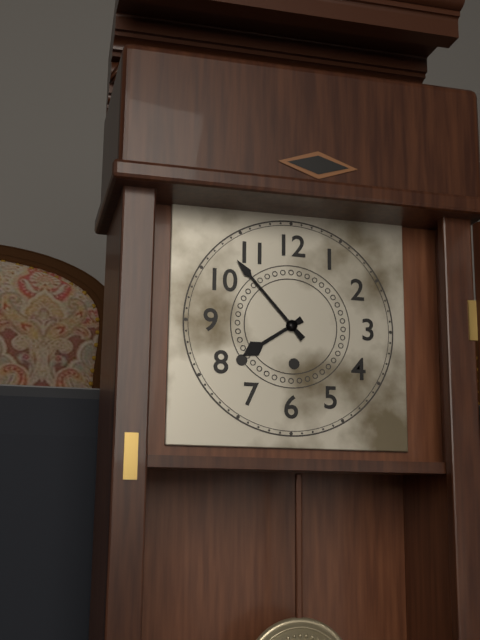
7.53
